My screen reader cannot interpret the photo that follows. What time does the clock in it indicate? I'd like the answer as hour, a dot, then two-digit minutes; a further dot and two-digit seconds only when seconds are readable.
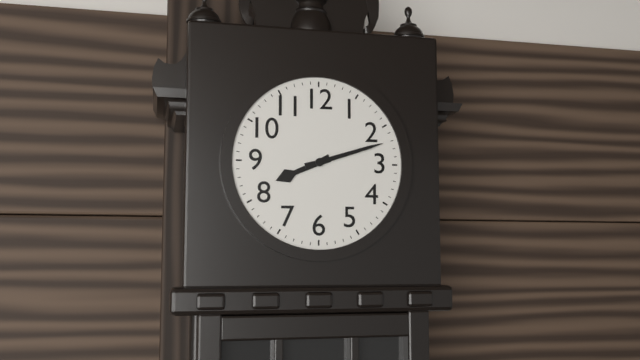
8.12
